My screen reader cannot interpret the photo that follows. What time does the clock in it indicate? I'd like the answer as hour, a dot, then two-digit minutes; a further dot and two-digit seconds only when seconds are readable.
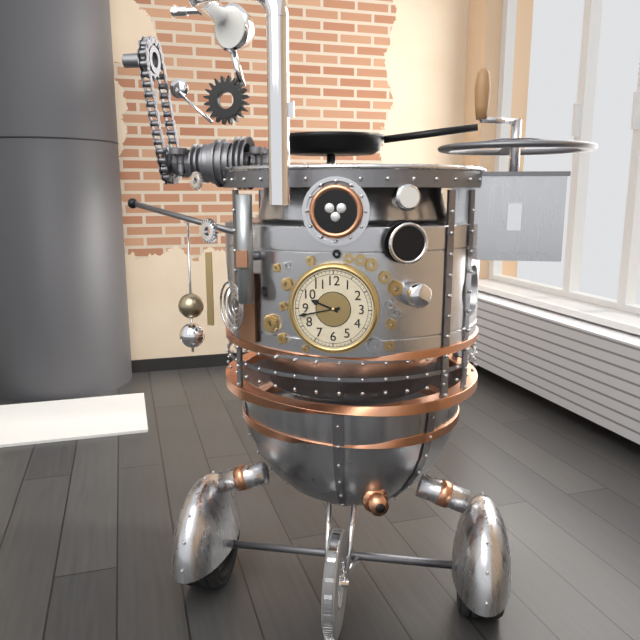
9.43
